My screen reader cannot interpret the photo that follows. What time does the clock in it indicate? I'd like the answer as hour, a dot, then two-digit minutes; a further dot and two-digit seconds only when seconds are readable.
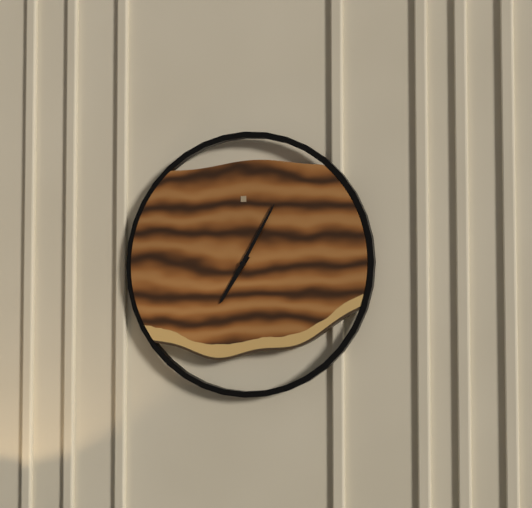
7.05
